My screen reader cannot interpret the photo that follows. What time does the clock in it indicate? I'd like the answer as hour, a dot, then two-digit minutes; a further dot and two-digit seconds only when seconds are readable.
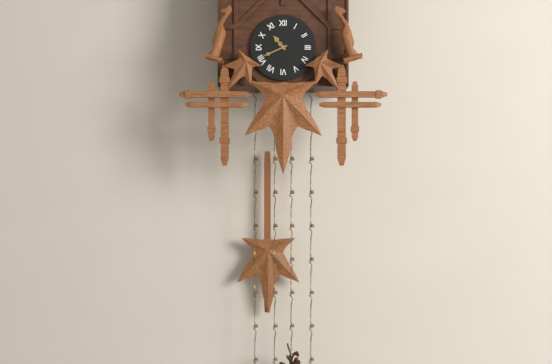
10.41
